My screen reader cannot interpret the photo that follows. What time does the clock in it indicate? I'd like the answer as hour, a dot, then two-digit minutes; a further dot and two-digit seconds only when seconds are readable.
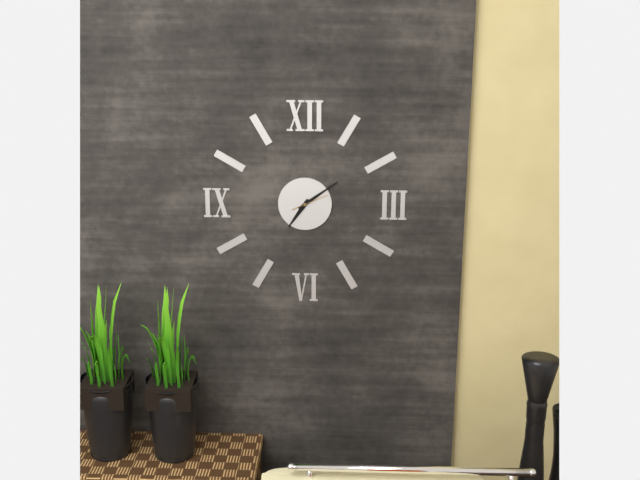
7.09
